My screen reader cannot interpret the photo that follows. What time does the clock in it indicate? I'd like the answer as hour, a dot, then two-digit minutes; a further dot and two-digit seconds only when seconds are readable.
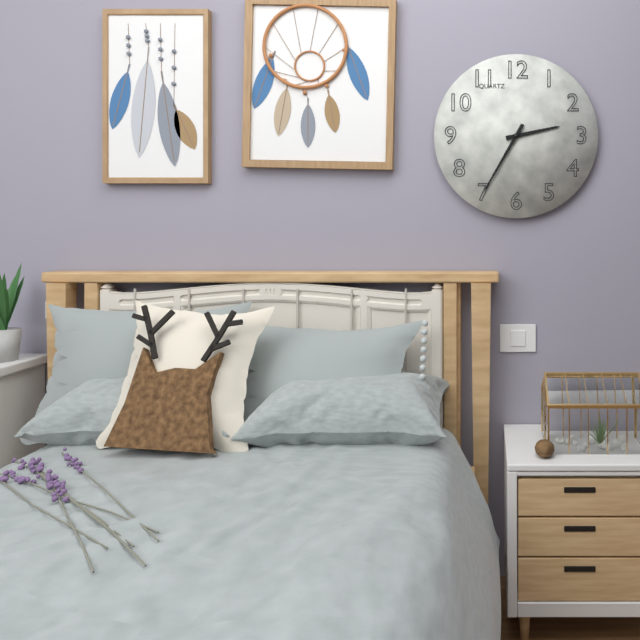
2.35
